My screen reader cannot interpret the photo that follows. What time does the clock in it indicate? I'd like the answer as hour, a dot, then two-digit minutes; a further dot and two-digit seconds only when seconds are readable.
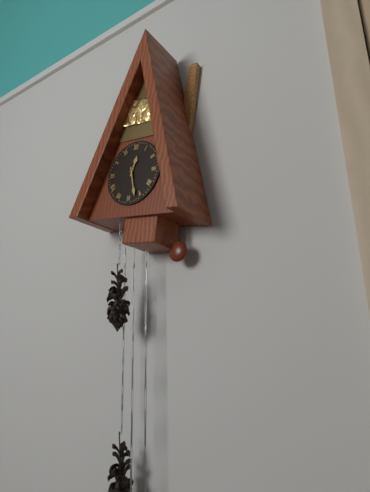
12.27
